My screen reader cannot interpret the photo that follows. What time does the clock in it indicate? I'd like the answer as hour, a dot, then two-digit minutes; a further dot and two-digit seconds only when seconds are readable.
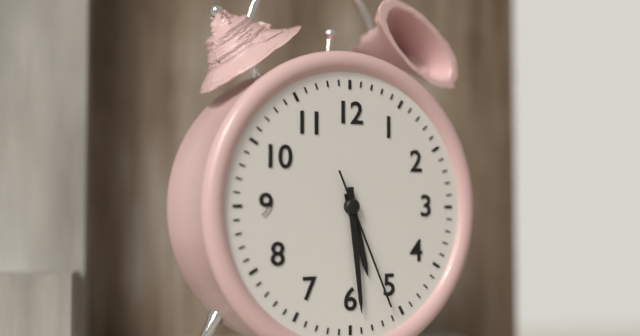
5.29.26
